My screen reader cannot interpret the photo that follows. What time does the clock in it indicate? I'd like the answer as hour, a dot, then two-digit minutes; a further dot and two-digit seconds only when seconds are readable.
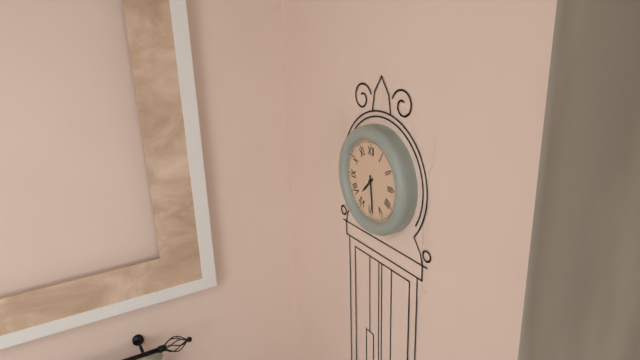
7.29
